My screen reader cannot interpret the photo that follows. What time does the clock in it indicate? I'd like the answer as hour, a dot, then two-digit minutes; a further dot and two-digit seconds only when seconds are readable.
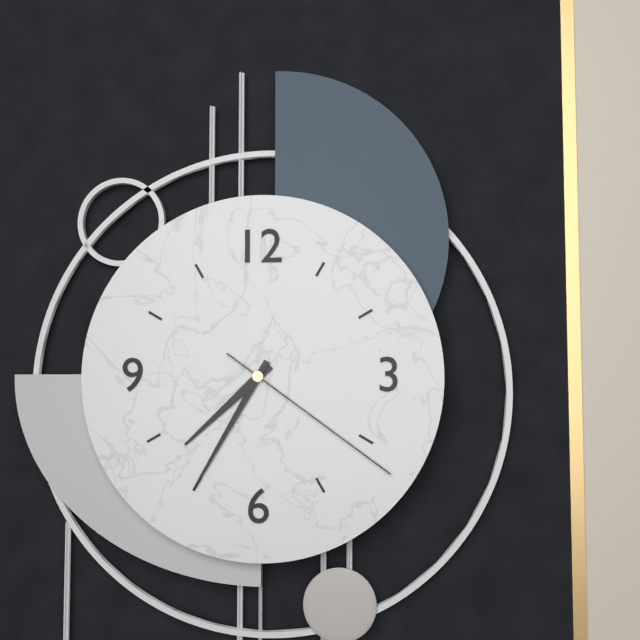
7.35.21
